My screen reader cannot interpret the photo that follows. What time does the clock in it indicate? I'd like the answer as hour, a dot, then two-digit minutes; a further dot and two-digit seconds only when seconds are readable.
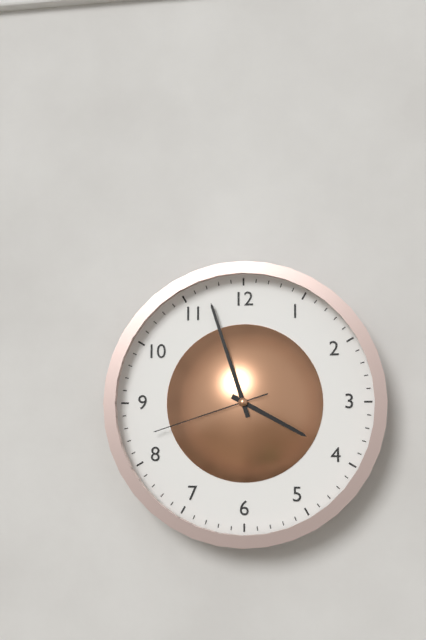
3.57.42
